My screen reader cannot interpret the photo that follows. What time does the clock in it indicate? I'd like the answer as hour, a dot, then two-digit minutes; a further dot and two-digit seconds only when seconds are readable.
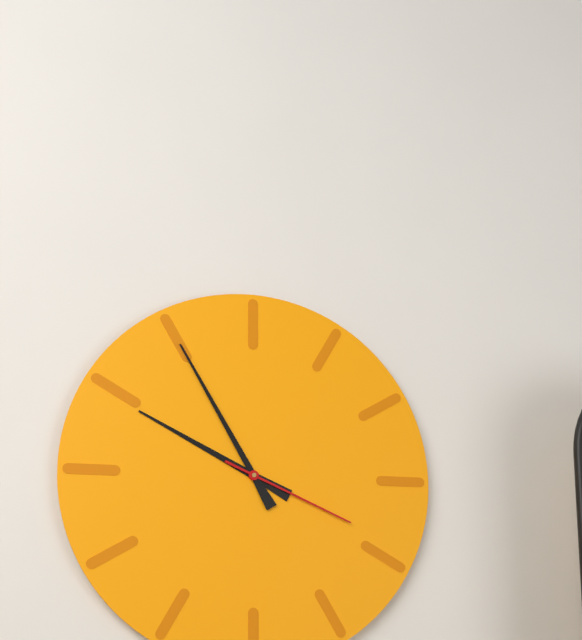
9.55.19
